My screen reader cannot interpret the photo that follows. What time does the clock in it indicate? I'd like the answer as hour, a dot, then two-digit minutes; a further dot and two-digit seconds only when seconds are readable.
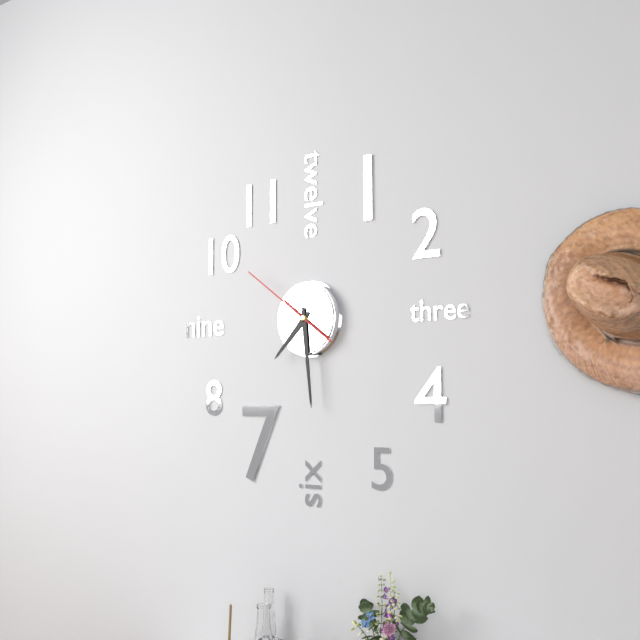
7.29.51
